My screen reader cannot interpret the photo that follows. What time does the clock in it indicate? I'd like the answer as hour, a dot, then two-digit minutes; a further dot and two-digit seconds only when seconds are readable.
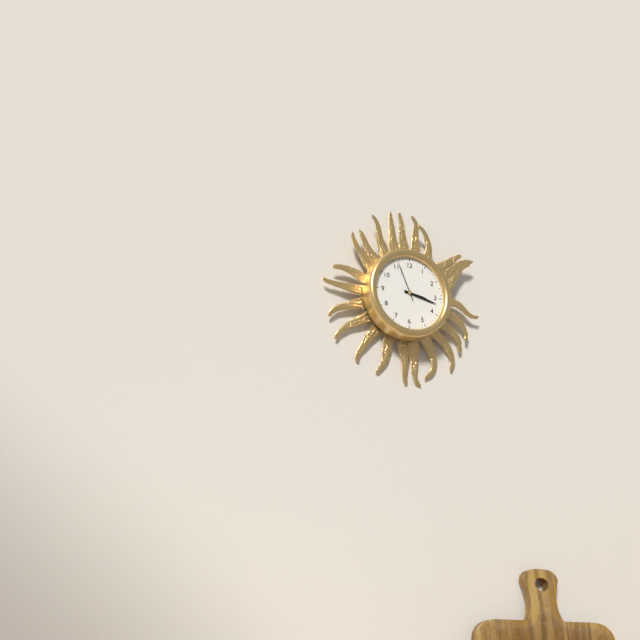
3.17
